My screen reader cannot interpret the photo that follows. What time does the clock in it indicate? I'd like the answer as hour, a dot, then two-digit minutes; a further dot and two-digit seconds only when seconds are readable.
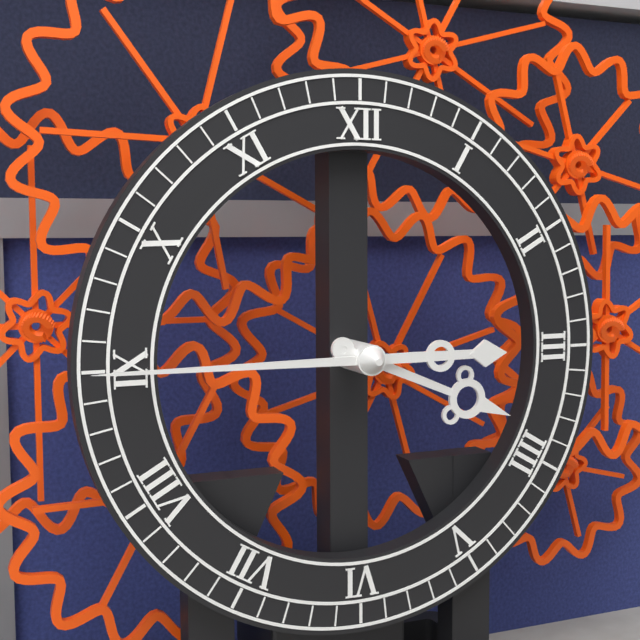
3.45
